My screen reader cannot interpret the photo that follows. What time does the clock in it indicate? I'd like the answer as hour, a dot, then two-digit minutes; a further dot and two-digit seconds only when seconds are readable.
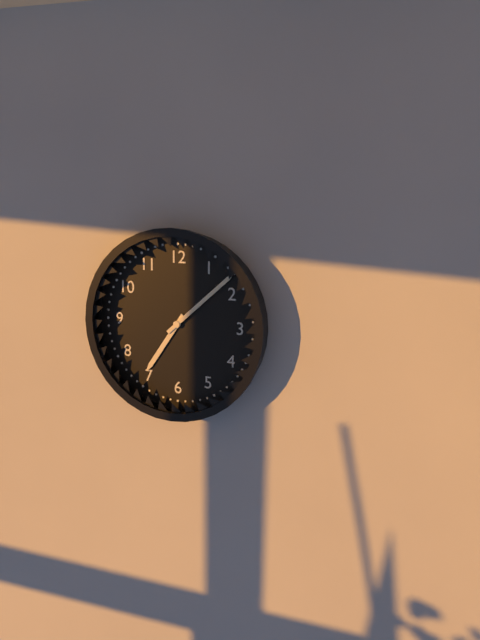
7.08
